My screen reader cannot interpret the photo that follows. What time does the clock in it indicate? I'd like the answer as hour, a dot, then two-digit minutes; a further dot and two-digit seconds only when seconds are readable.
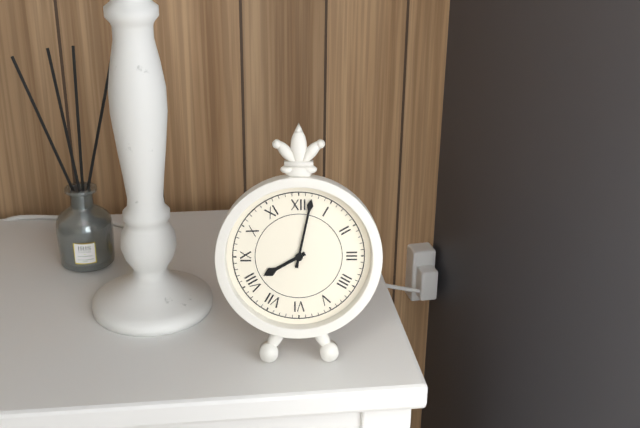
8.02
